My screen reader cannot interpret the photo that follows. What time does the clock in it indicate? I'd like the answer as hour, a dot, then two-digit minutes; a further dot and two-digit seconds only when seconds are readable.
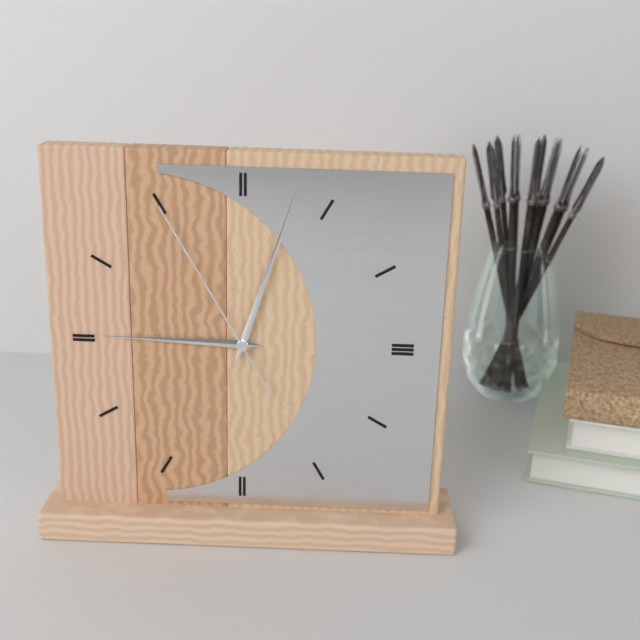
9.03.55
